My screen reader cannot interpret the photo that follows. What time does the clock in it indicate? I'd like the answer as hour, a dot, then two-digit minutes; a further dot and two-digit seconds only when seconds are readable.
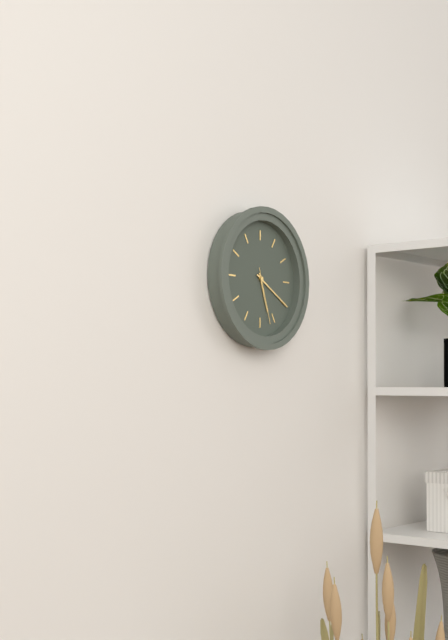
5.20.27
